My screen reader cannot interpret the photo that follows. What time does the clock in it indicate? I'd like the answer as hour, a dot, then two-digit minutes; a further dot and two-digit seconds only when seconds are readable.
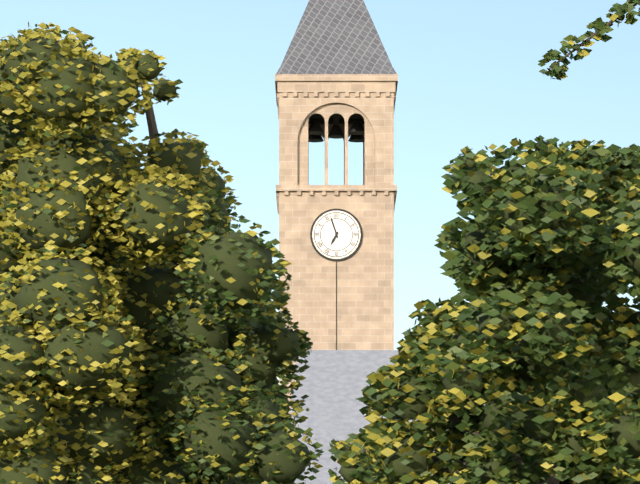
6.57
